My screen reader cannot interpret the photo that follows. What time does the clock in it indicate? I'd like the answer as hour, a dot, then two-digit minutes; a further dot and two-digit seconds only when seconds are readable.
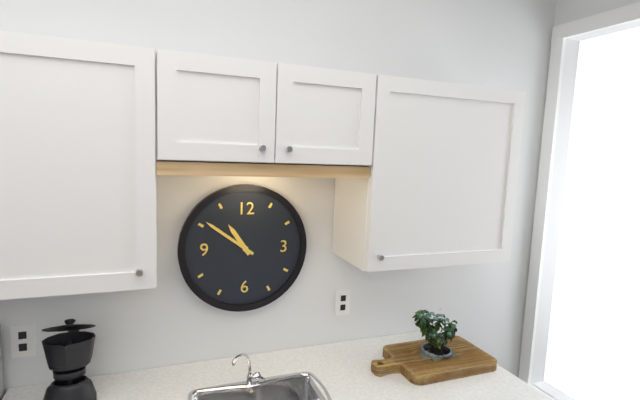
10.51
